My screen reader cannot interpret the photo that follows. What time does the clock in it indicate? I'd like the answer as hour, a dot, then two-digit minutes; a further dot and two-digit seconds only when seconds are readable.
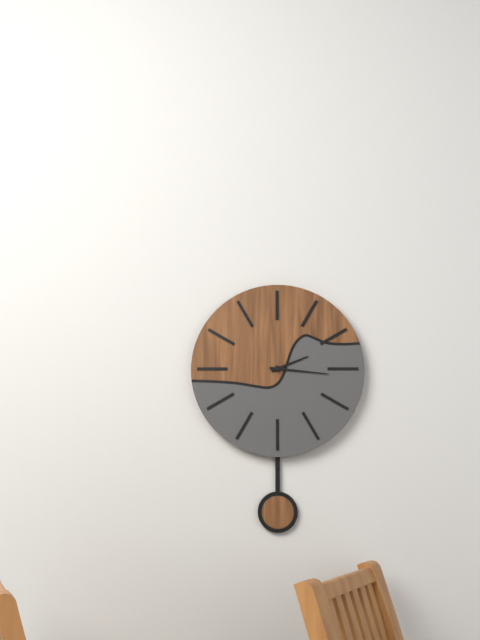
2.16
